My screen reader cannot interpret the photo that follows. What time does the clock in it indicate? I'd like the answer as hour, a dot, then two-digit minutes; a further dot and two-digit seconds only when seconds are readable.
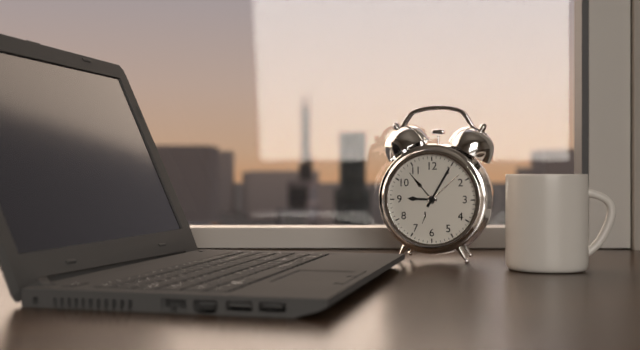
9.05
